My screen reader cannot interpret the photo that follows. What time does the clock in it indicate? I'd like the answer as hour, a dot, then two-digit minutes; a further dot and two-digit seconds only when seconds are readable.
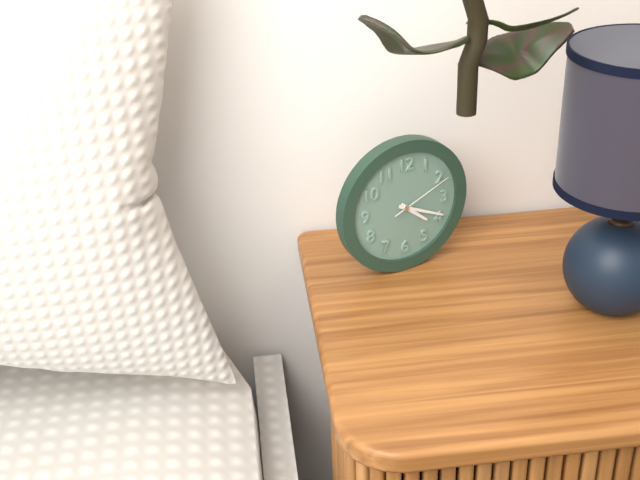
4.19.11
